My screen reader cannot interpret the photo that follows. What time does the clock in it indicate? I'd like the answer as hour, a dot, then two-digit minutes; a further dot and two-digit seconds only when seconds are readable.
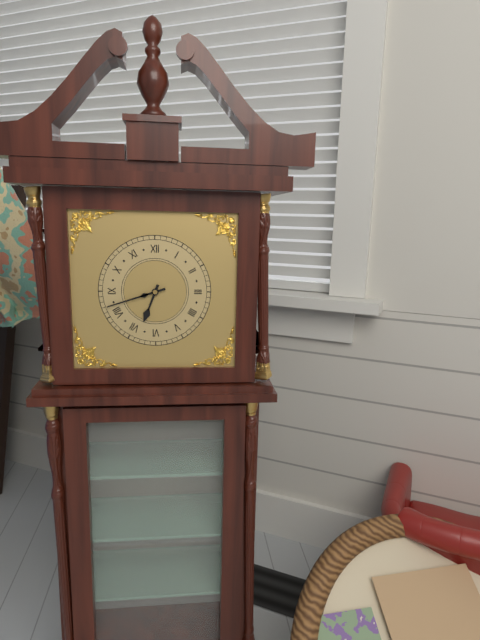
6.42
